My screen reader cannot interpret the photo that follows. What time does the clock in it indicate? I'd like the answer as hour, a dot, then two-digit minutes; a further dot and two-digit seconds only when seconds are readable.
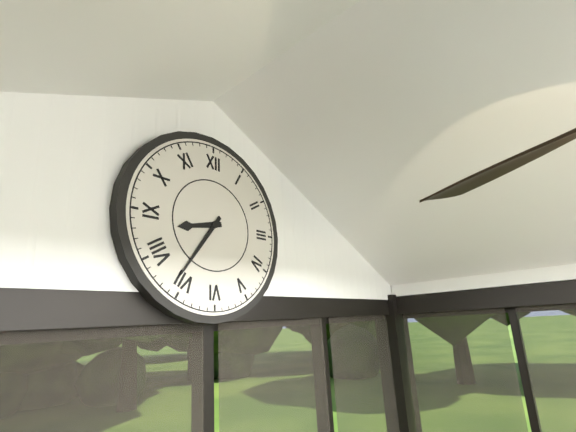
8.36
